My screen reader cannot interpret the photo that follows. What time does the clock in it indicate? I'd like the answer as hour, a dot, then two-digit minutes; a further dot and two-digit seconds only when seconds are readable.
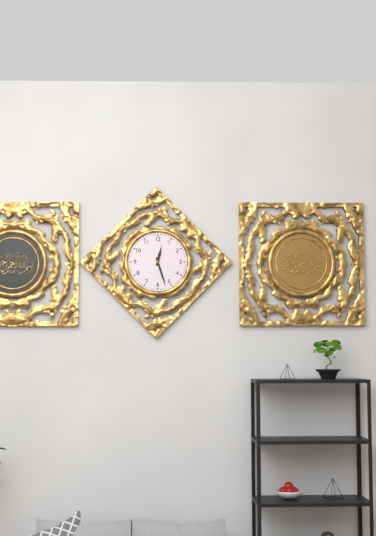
12.27
